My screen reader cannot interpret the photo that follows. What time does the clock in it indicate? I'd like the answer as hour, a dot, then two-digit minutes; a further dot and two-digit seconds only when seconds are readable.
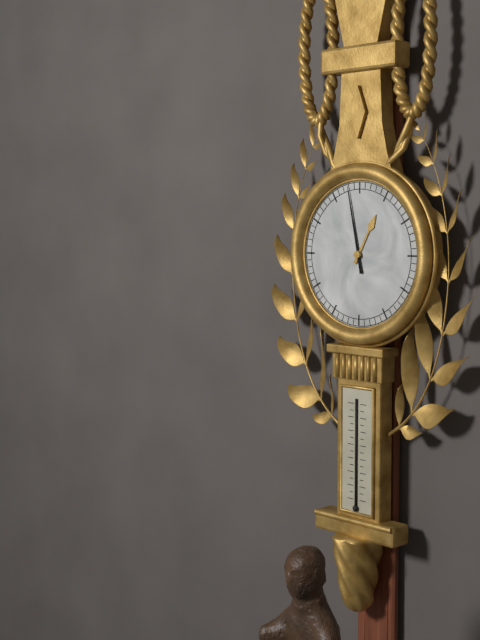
12.58
